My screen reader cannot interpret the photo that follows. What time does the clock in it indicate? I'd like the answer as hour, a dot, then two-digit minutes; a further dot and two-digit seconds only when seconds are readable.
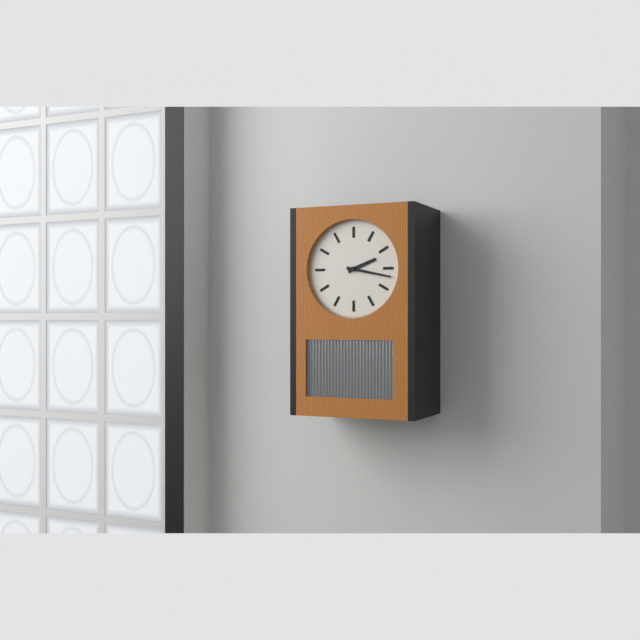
2.17
